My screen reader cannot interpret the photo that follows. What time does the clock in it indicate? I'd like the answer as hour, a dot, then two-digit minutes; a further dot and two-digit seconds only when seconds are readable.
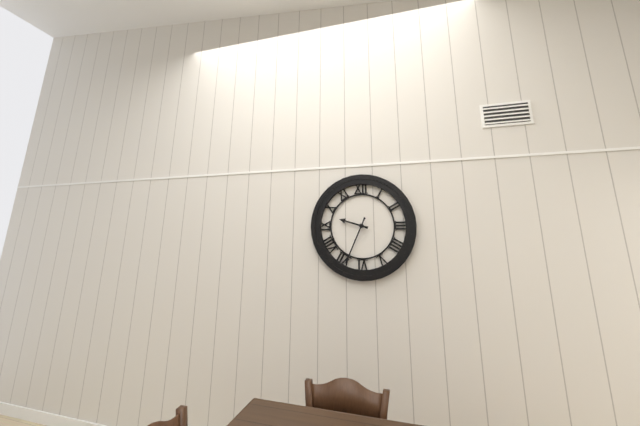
9.34
